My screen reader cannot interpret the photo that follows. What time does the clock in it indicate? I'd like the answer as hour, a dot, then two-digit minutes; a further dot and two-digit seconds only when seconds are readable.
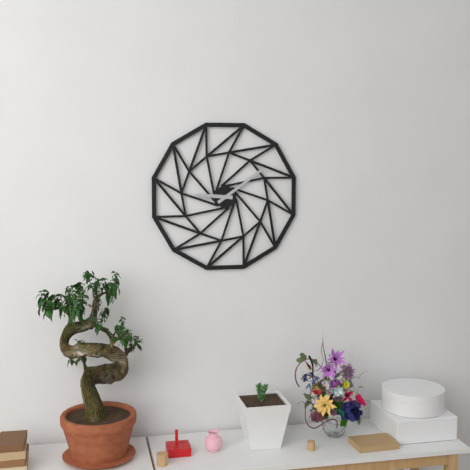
9.09
